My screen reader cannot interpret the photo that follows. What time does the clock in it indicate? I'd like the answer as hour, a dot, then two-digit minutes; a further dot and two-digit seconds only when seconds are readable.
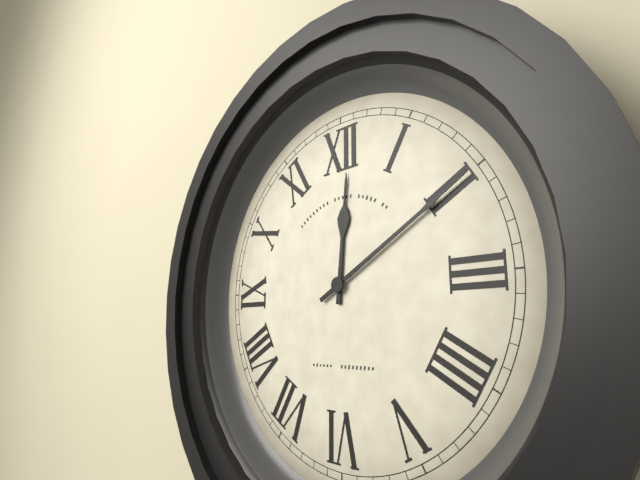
12.10
